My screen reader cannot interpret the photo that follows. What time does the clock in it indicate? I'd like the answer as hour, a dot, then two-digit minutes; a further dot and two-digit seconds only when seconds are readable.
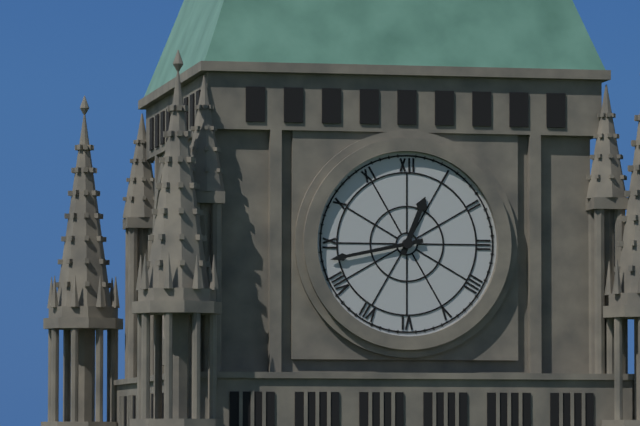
12.43
